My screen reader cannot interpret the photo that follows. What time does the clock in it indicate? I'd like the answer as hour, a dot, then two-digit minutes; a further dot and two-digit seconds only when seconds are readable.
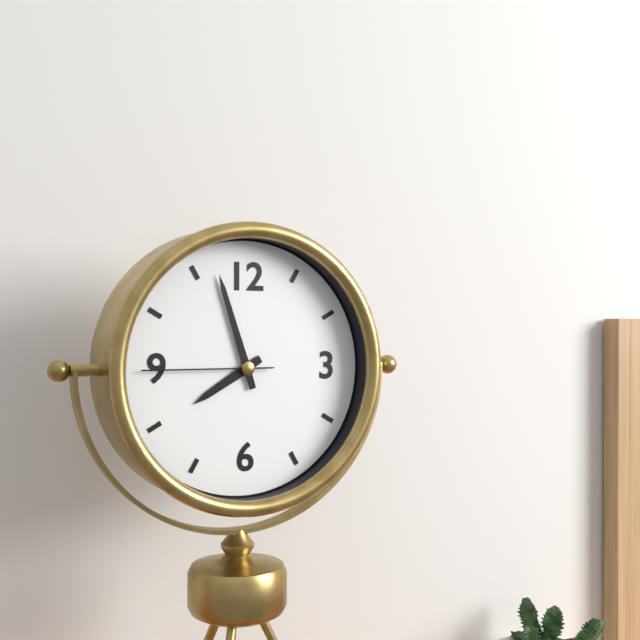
7.57.45
